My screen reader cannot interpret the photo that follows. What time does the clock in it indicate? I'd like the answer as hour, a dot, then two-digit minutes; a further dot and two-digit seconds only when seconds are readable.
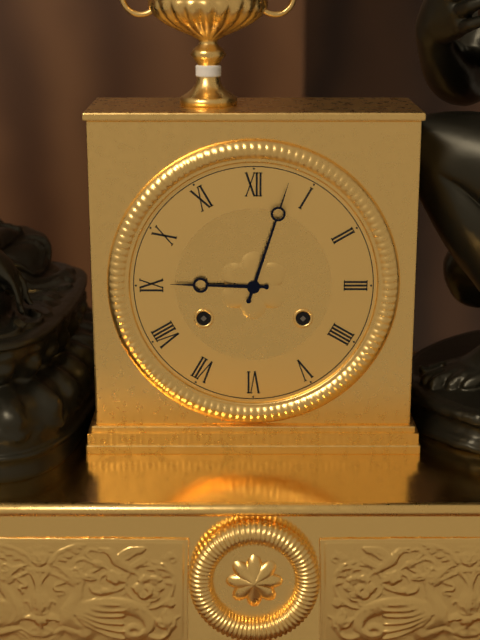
9.03
